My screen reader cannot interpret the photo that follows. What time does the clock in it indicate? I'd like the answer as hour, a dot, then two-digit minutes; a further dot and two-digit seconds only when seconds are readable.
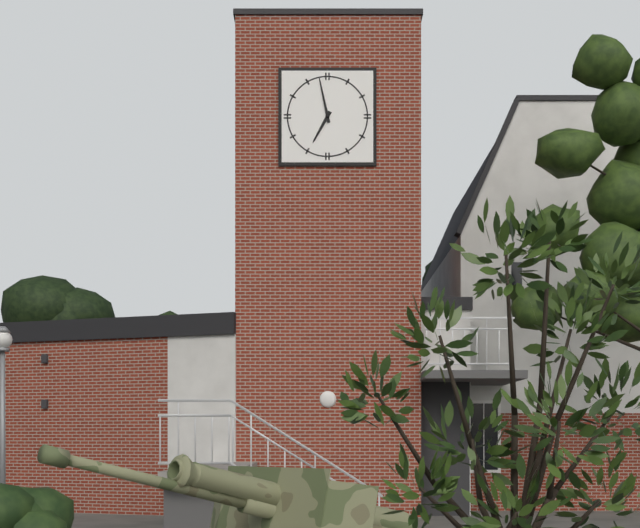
6.58
